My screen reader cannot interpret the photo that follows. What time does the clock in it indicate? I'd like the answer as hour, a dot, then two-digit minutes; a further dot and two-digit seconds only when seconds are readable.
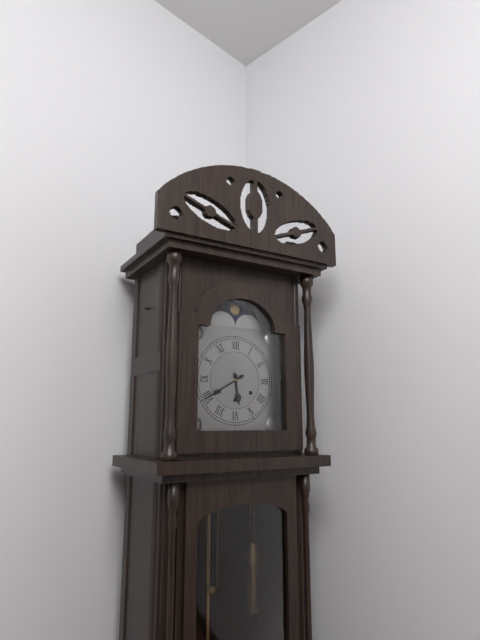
5.40
